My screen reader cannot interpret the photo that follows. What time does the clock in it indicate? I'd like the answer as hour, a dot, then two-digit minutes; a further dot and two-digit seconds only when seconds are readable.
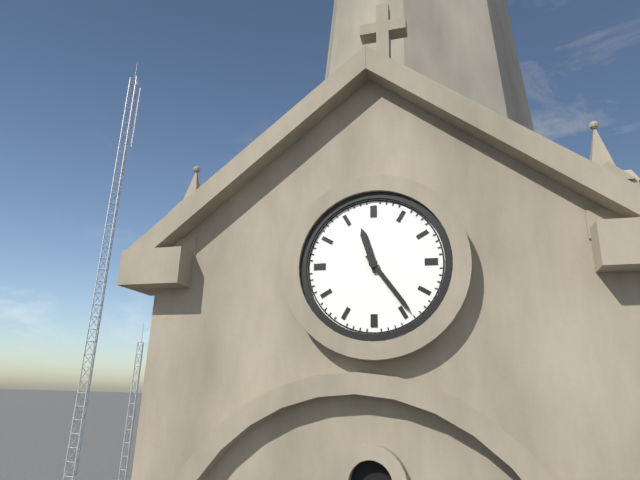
11.24
